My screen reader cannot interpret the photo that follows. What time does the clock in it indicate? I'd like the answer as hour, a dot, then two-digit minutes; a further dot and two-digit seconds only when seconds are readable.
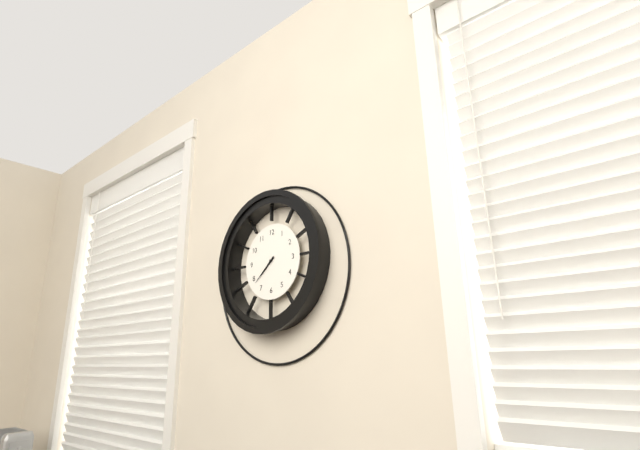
7.38
